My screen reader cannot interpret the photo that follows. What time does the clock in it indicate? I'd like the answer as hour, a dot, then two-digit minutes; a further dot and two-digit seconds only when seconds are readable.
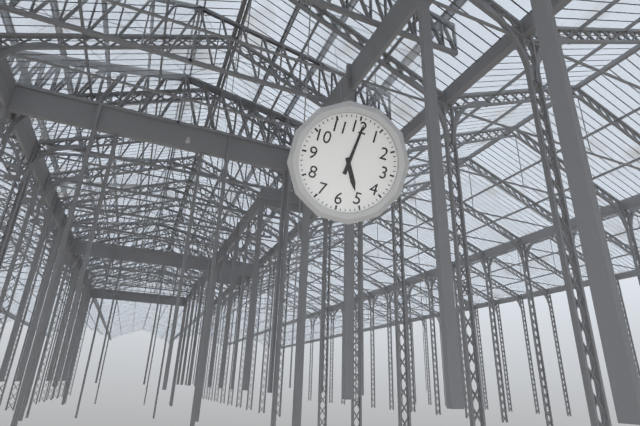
5.01
